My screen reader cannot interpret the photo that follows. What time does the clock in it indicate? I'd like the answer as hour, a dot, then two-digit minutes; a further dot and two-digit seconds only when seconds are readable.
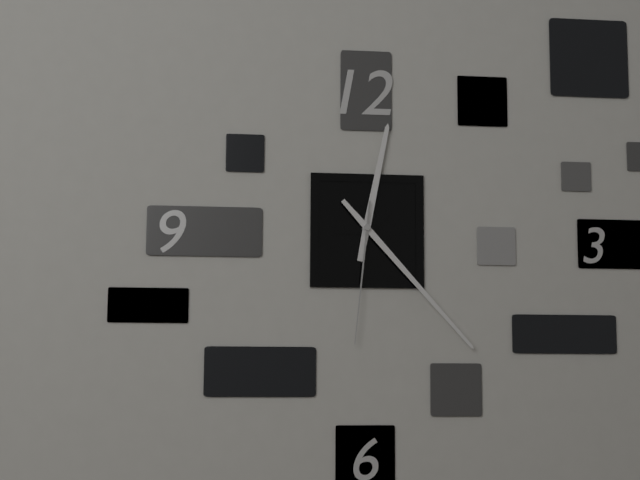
12.23.31
